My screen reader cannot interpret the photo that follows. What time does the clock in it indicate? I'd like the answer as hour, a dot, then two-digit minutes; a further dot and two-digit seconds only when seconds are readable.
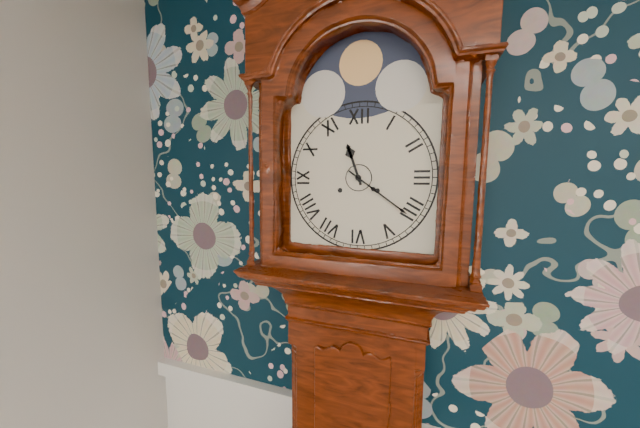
11.21
